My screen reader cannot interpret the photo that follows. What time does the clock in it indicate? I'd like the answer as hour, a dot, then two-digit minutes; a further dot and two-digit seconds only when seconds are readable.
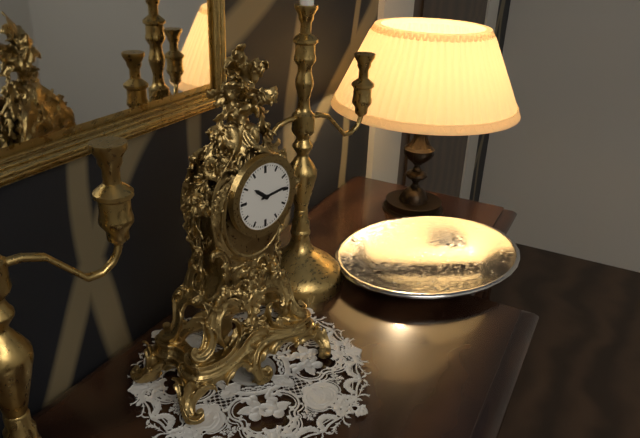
10.14
